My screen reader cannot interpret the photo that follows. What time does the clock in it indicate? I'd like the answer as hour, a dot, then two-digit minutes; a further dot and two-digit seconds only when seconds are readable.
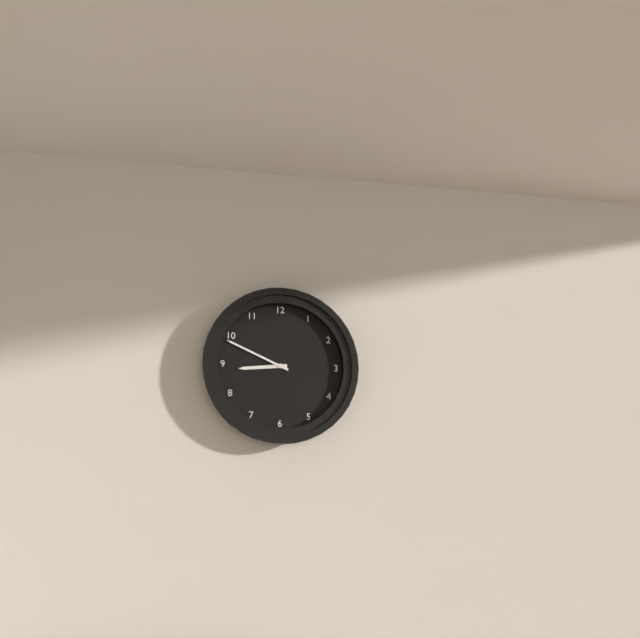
8.49
